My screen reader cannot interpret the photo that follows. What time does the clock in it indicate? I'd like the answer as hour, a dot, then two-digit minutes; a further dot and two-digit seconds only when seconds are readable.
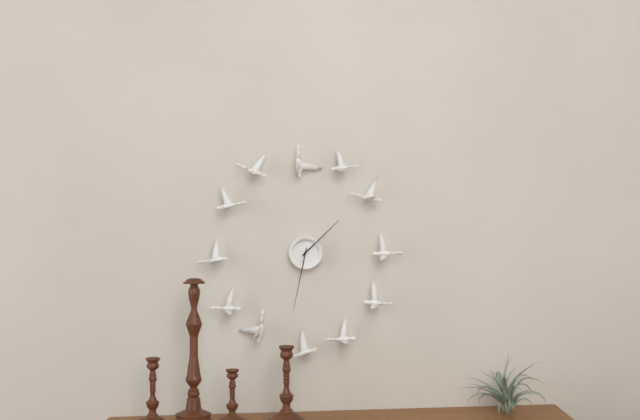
1.32
